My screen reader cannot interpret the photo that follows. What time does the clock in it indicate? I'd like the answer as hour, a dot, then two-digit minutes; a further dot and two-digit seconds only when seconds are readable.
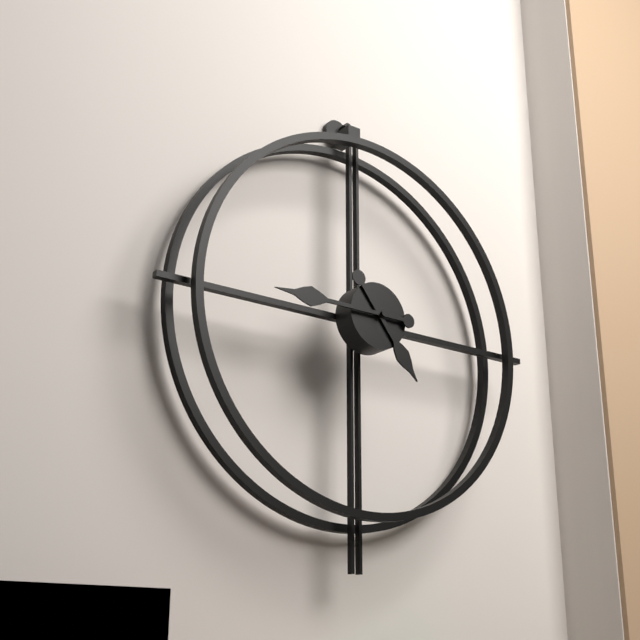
4.45
